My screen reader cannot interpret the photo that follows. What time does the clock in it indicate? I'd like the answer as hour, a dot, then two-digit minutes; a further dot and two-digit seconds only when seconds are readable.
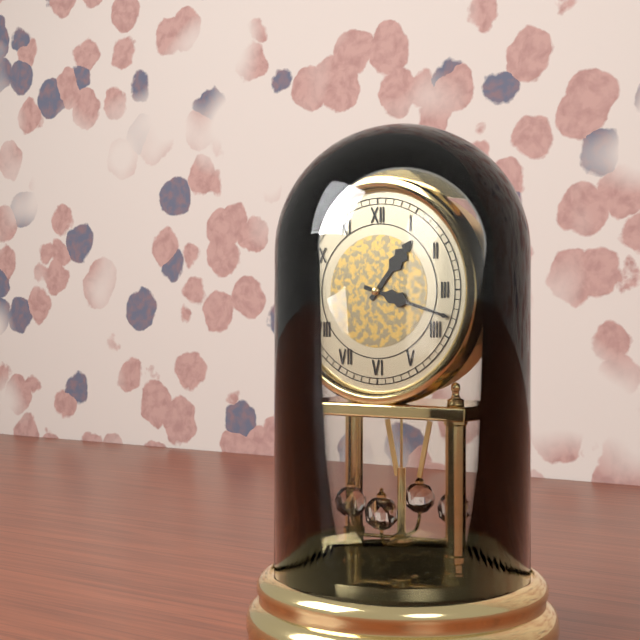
1.18
